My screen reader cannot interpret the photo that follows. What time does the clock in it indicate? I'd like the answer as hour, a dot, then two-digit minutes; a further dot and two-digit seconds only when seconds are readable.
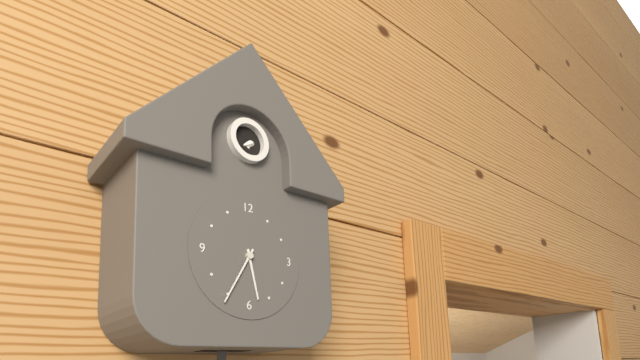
5.35
